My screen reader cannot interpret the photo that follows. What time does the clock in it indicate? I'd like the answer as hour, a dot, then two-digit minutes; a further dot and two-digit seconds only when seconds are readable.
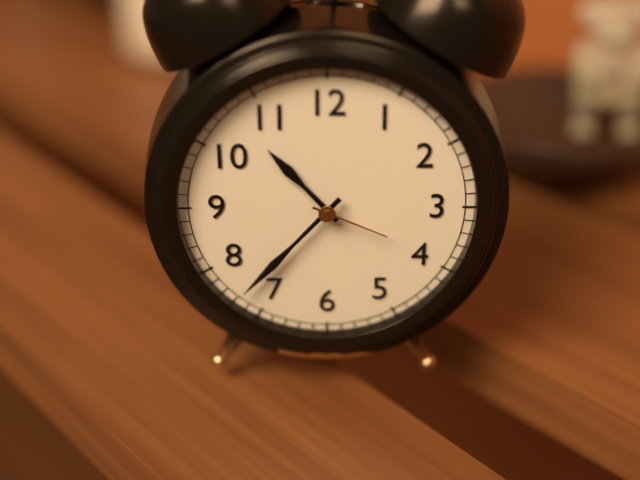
10.37.19
